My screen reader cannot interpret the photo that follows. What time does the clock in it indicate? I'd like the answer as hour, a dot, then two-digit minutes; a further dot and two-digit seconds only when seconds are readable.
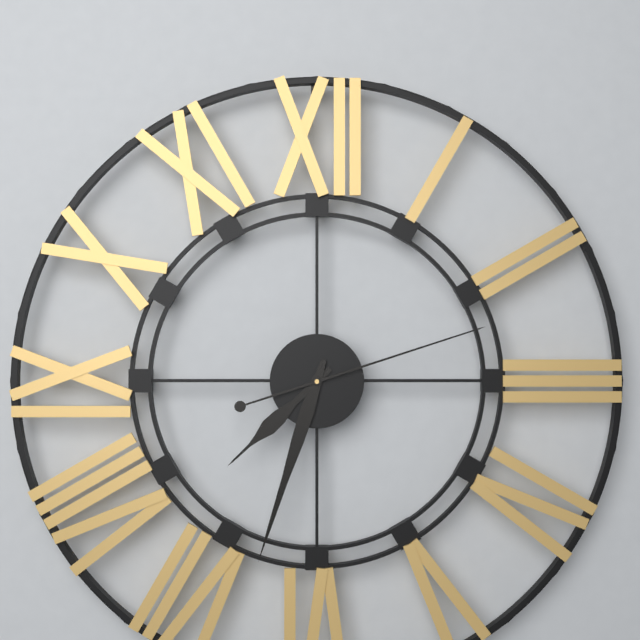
7.33.12
